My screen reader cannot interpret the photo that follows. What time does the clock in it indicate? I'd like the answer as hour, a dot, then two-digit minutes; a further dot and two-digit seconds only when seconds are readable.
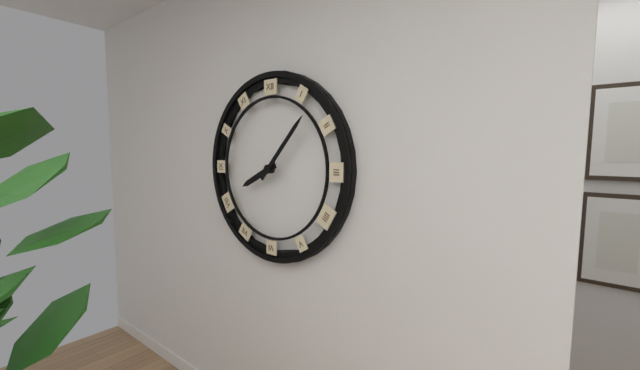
8.07
